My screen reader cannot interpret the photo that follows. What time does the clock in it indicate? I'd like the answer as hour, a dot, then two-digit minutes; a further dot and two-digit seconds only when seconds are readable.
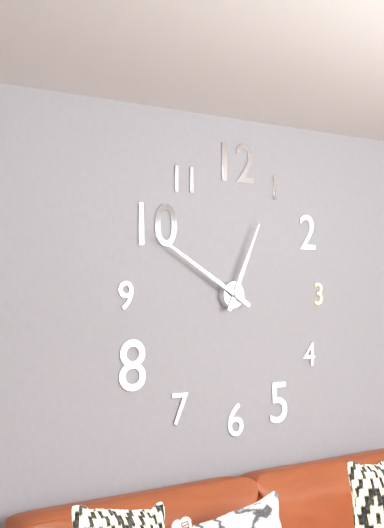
12.50
